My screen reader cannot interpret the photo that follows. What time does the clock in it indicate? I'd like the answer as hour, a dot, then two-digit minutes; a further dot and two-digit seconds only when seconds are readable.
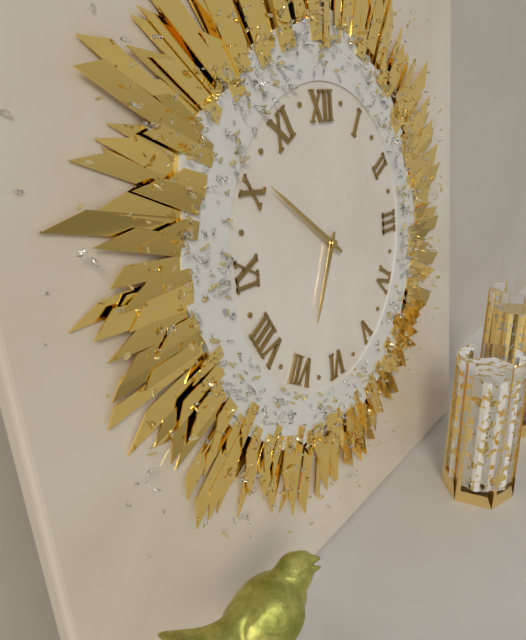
6.51
